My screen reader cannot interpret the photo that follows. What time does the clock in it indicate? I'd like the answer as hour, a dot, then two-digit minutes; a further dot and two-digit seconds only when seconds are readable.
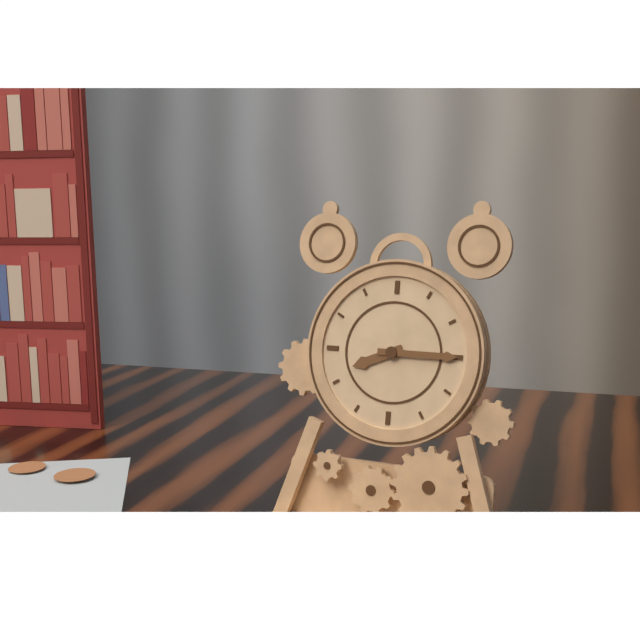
8.15
